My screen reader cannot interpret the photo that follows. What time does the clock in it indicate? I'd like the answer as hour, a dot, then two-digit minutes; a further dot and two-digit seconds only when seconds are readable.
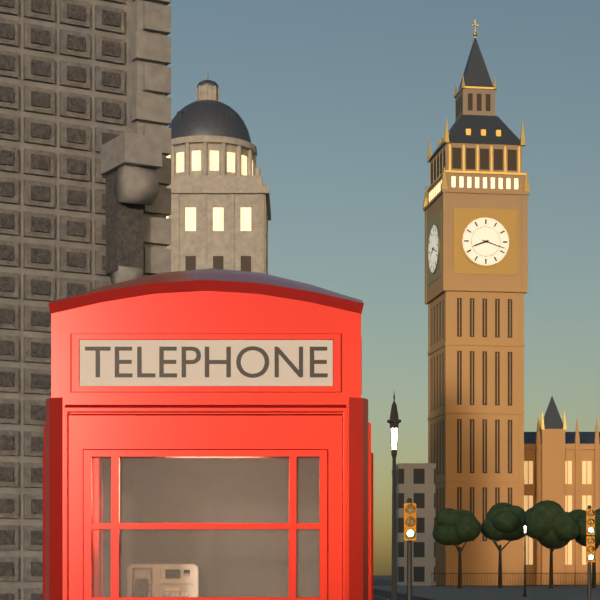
8.18
